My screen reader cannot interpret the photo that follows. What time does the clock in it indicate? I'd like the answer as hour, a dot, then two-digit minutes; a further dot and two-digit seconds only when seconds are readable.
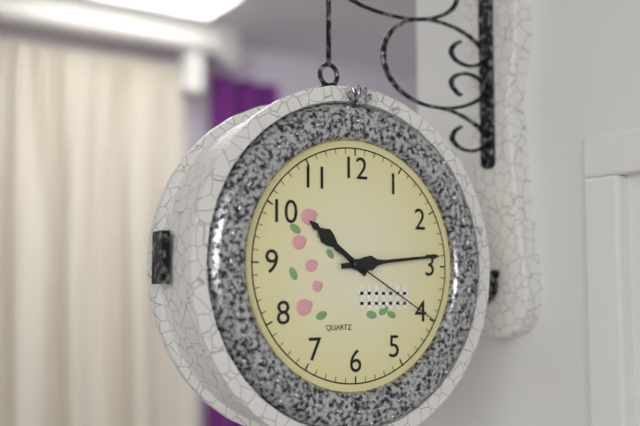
10.14.20
